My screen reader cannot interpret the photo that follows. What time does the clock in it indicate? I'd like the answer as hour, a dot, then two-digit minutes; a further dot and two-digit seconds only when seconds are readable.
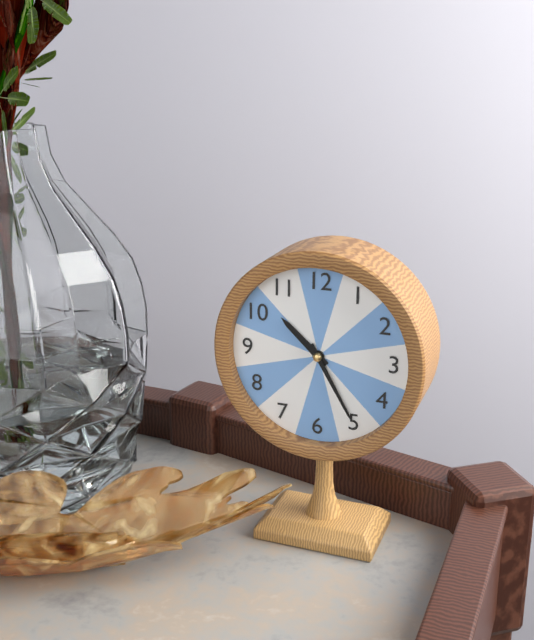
10.25
